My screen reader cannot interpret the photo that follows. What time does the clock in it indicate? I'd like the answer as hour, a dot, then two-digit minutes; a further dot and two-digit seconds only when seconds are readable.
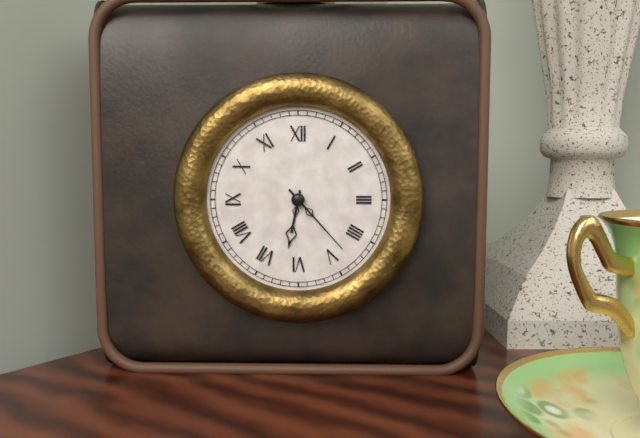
6.23
